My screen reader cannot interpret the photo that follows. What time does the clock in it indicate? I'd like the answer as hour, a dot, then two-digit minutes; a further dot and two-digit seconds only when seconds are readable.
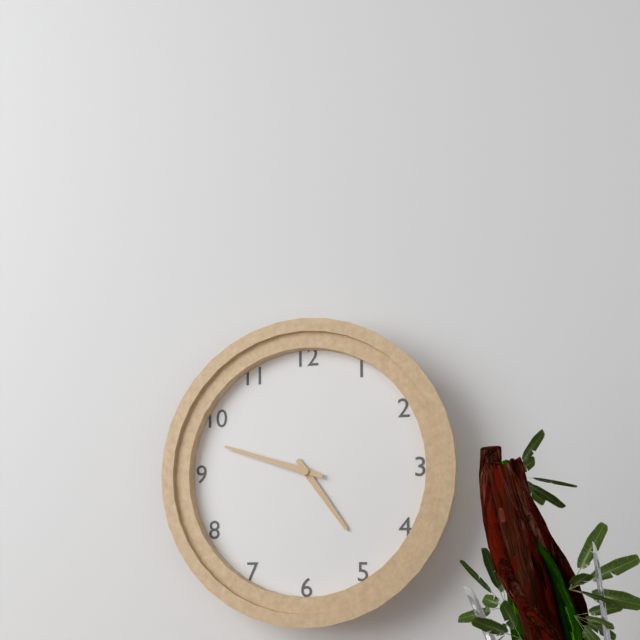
4.48
